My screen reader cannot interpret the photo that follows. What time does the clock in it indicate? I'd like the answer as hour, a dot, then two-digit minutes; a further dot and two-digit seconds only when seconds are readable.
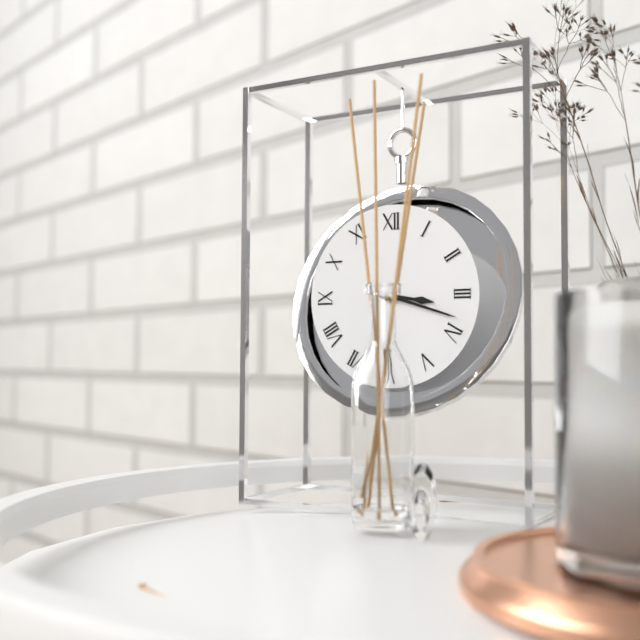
3.18
